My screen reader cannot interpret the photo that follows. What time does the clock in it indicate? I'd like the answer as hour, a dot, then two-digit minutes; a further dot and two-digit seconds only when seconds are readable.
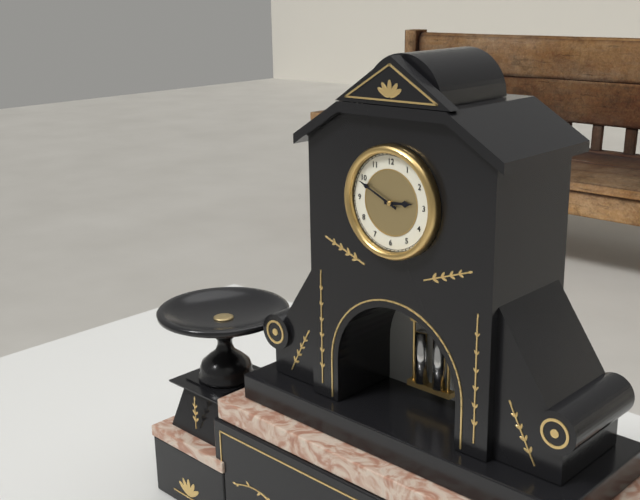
2.49
